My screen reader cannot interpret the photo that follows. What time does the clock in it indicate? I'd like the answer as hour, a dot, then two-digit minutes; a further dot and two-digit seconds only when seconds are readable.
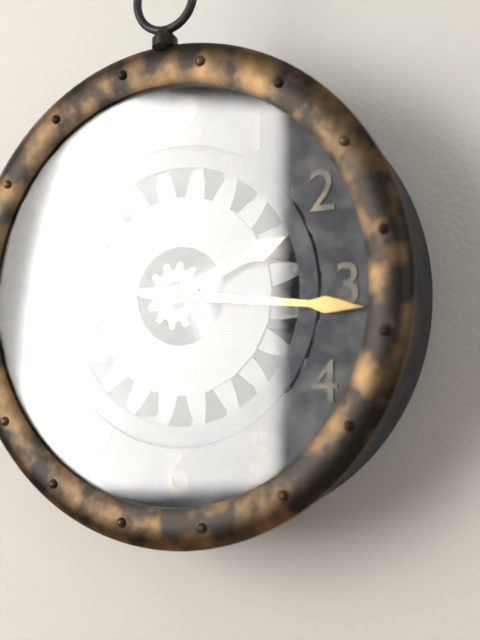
2.16
